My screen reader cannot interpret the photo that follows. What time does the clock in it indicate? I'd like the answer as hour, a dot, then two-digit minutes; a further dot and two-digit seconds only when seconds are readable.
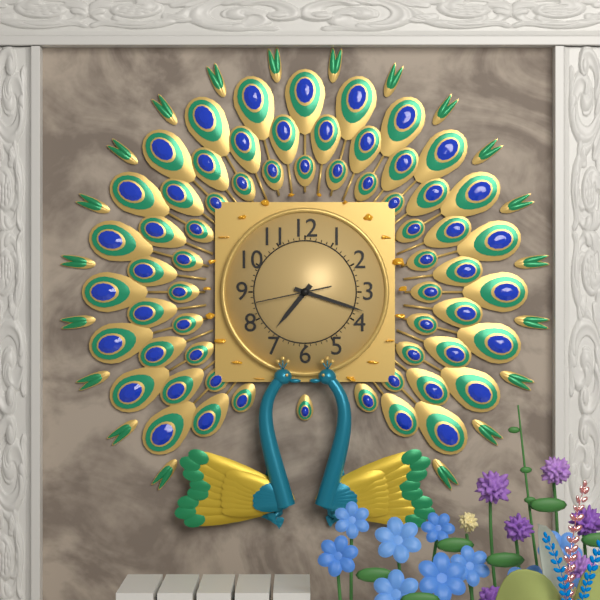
7.18.43
